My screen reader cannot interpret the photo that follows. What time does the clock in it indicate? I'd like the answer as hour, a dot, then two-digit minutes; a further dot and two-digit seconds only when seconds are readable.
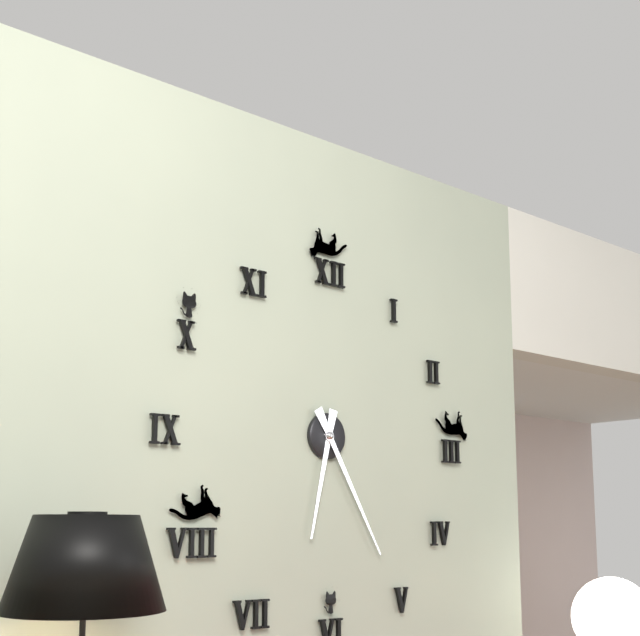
6.25
